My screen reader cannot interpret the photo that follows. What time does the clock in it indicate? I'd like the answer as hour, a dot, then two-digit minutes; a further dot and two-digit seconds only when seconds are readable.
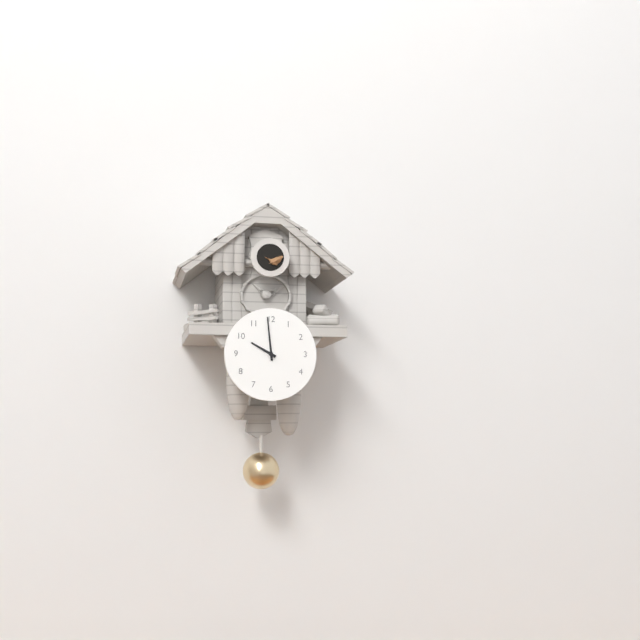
9.59
